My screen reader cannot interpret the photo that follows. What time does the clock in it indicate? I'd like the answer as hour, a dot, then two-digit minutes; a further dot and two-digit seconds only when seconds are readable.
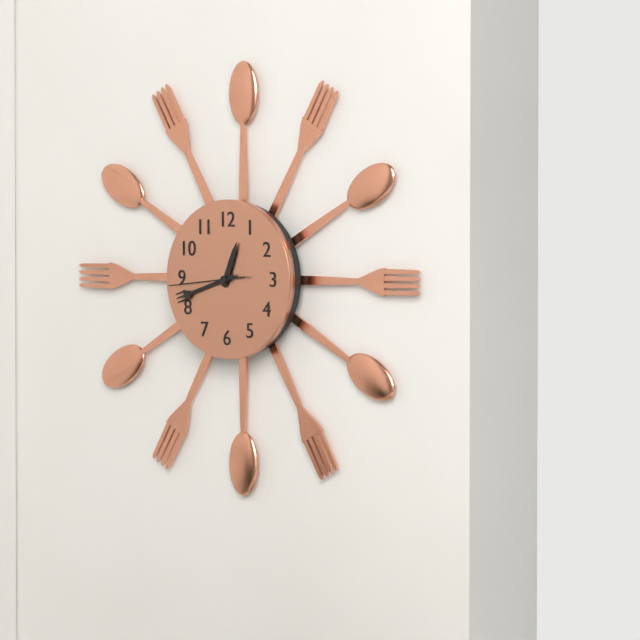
12.42.44
